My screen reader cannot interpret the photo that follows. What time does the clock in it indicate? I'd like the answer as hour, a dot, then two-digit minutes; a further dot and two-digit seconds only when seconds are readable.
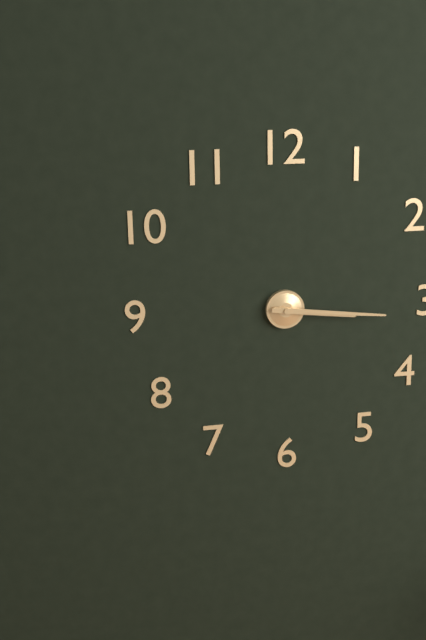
3.16
